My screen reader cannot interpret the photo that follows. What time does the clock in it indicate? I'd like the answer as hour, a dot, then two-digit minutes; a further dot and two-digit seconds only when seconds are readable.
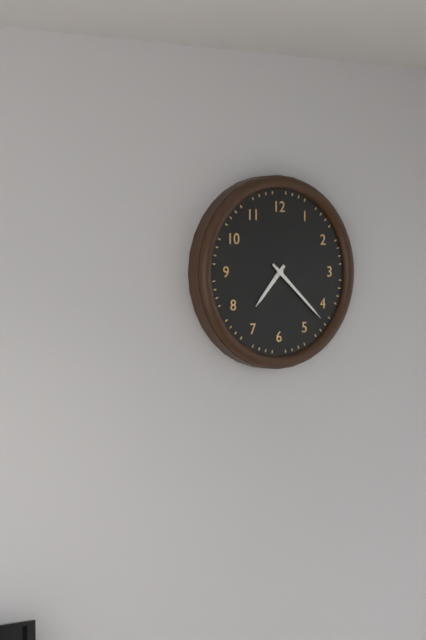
7.22
